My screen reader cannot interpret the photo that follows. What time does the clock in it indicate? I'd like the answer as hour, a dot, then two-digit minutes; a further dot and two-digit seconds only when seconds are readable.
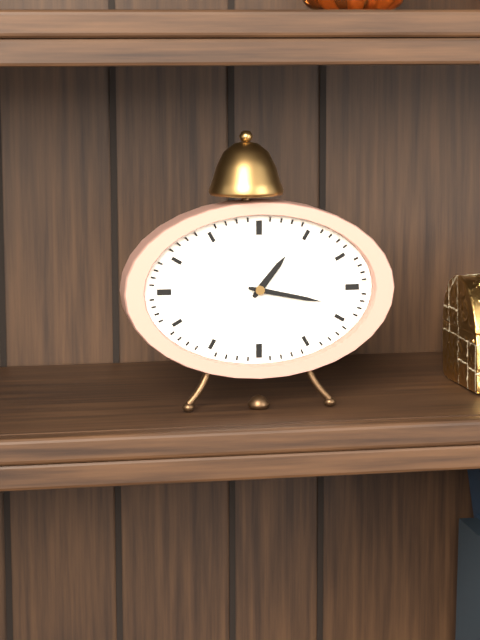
1.17
